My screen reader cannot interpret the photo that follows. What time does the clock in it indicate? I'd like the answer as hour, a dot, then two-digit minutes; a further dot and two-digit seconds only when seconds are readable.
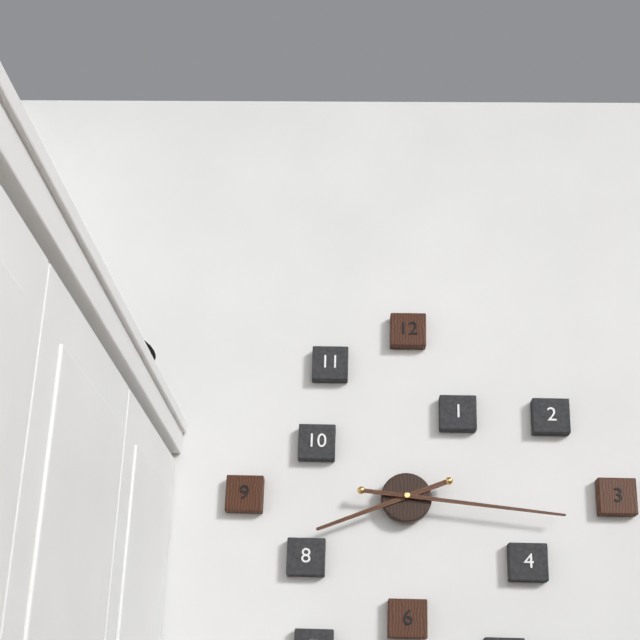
8.16
